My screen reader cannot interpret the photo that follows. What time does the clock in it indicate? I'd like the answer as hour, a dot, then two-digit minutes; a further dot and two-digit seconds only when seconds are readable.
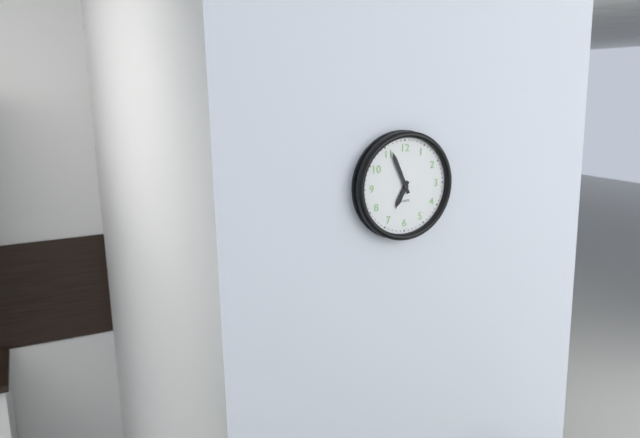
6.56
